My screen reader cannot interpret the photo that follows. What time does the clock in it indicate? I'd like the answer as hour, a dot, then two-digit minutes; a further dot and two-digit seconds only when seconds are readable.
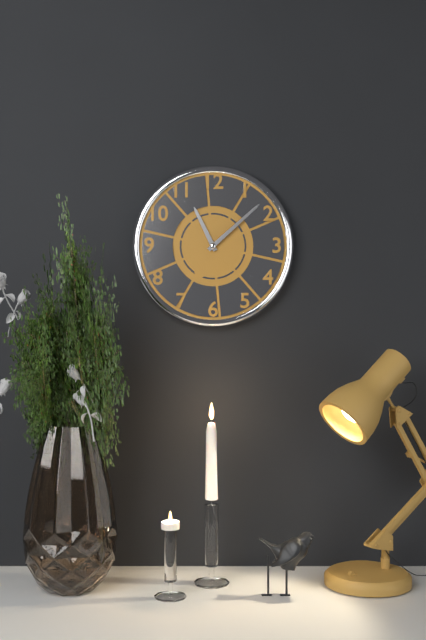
11.08
